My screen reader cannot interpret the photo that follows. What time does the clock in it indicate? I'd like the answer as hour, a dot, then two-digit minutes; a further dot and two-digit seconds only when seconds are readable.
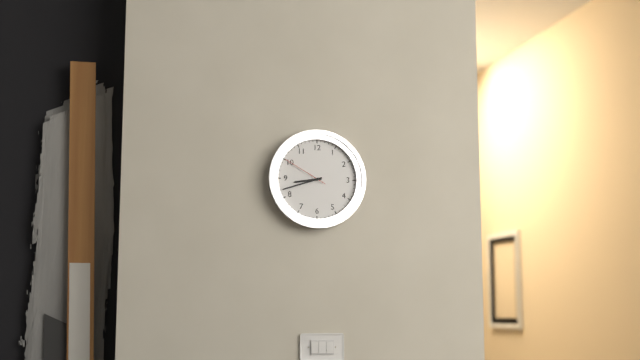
8.42
